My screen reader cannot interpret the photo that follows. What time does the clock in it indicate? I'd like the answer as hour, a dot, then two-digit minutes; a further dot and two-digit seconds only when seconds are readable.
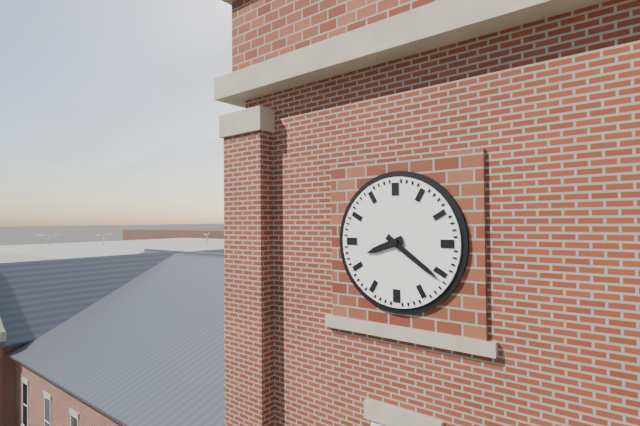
8.21
